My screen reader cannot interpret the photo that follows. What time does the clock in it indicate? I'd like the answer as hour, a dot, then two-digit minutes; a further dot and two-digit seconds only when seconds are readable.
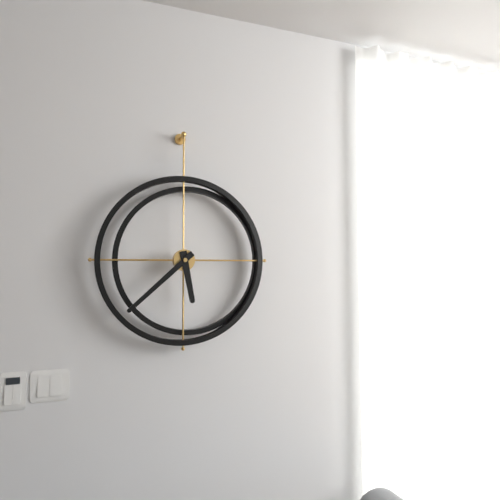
5.38
